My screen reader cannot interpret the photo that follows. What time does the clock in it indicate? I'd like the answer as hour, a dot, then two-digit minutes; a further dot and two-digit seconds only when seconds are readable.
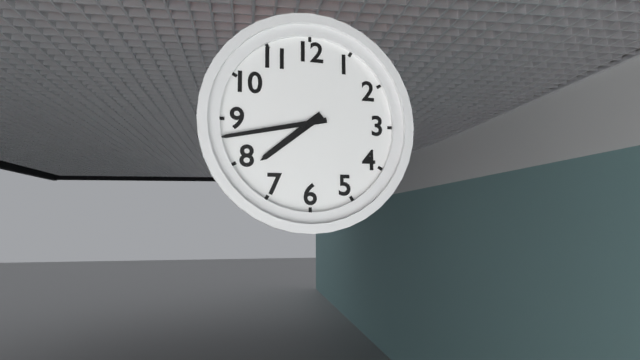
7.43
